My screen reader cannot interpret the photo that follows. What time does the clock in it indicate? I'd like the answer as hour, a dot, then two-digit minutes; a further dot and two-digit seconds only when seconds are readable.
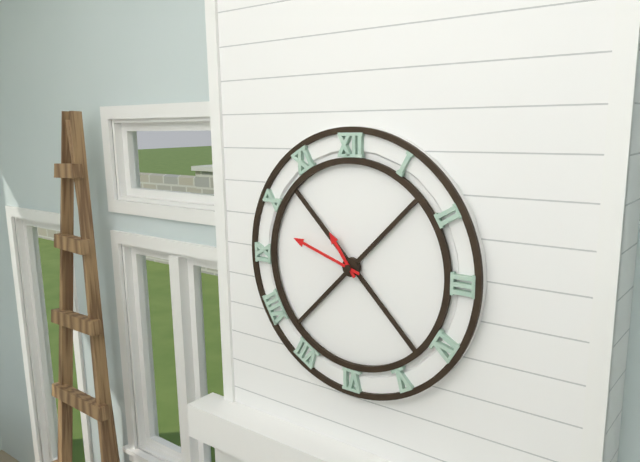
10.48
